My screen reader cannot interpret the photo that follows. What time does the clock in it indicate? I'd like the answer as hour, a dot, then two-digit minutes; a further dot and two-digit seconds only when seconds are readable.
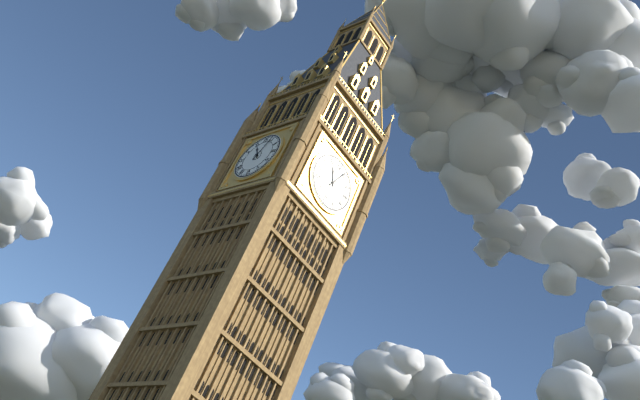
11.04
